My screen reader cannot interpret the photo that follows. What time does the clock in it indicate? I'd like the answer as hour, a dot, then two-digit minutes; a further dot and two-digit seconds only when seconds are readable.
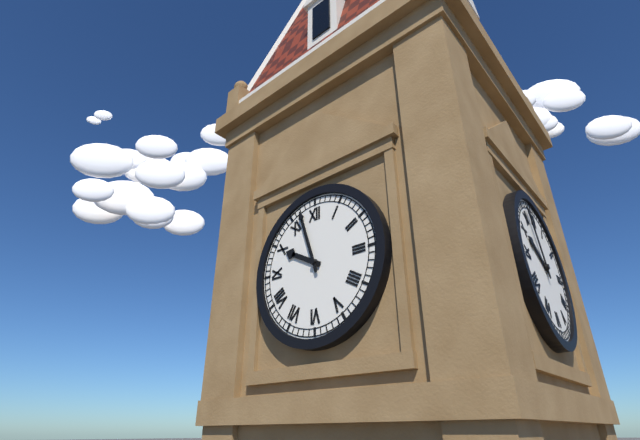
9.57
